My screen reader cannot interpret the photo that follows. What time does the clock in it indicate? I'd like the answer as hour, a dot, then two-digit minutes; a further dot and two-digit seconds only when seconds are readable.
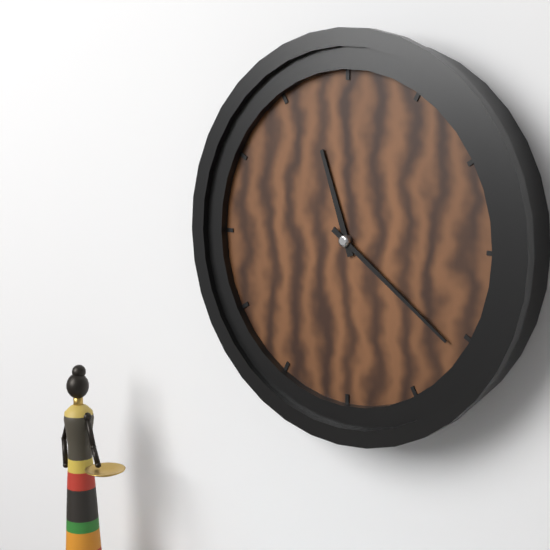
11.21
